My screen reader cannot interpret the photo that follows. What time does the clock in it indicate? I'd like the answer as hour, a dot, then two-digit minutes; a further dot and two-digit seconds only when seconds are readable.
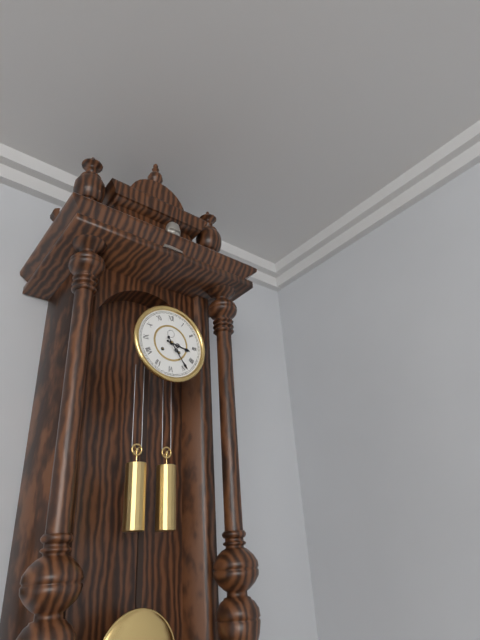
3.24
